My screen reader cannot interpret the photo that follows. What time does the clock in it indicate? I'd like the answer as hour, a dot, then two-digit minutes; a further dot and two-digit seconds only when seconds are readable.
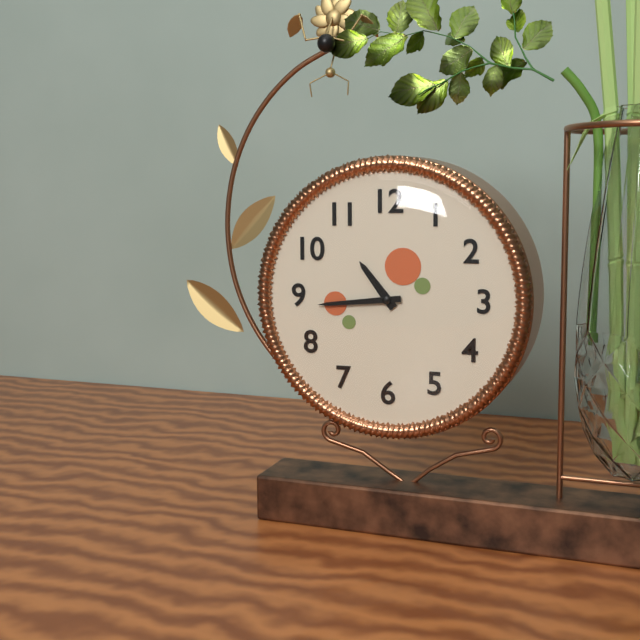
10.44
